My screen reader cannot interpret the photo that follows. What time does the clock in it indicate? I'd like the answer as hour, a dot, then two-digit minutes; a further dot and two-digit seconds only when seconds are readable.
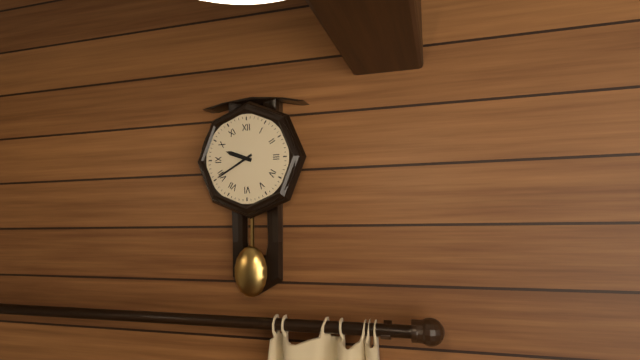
9.40
